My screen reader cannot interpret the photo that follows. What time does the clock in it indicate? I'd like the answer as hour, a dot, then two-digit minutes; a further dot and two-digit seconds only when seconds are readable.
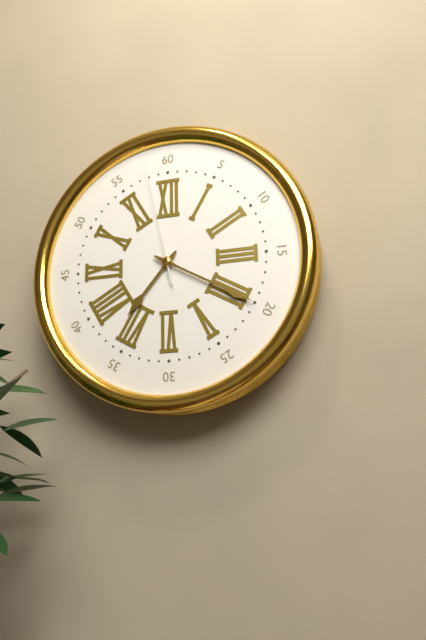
7.20.58
